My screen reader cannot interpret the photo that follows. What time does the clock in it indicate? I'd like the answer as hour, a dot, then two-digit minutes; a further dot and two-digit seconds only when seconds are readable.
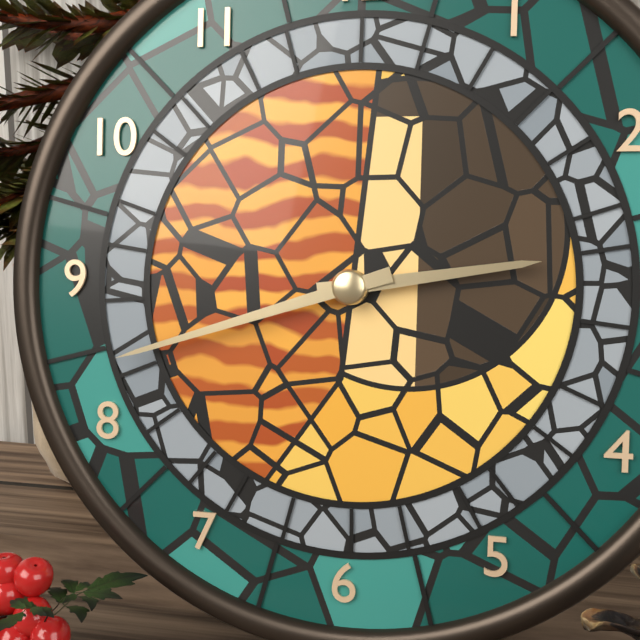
2.42
